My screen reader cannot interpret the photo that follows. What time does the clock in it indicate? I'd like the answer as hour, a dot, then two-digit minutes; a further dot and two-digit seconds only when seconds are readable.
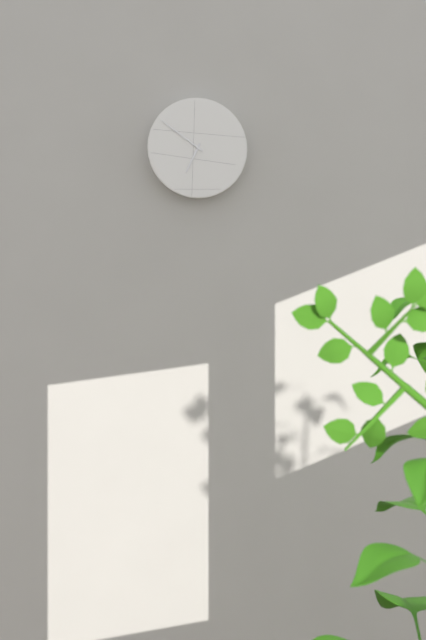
6.51
